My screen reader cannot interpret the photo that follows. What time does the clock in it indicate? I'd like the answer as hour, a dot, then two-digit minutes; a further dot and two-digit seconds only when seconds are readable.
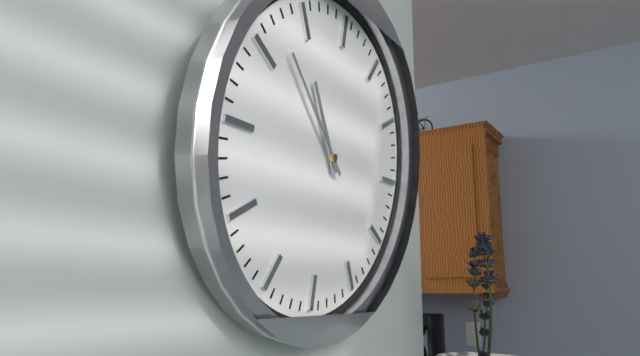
10.52
